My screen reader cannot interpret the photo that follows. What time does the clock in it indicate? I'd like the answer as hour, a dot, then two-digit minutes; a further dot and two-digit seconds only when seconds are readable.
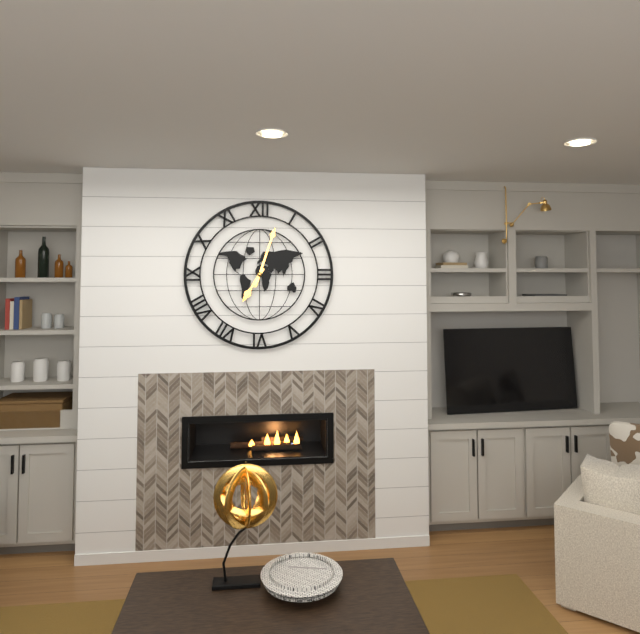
7.03
